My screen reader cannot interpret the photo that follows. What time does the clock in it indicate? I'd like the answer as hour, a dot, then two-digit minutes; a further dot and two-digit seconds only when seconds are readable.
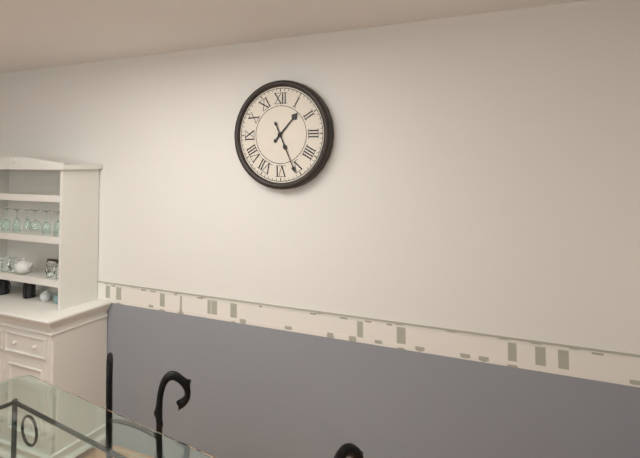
1.26
